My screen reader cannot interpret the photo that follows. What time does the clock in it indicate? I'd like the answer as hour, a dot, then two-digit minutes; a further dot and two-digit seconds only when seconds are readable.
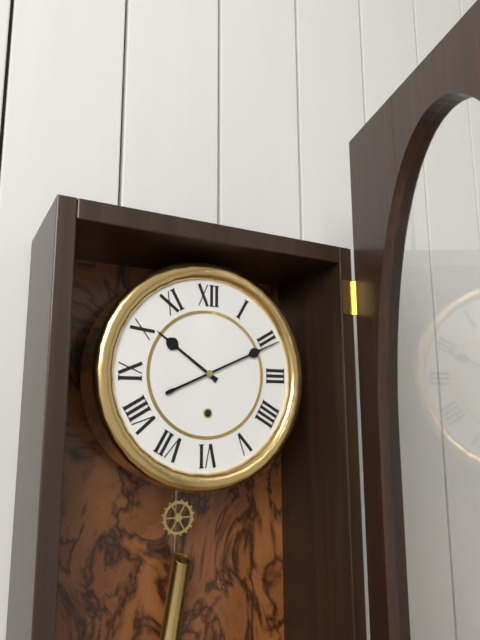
10.11
